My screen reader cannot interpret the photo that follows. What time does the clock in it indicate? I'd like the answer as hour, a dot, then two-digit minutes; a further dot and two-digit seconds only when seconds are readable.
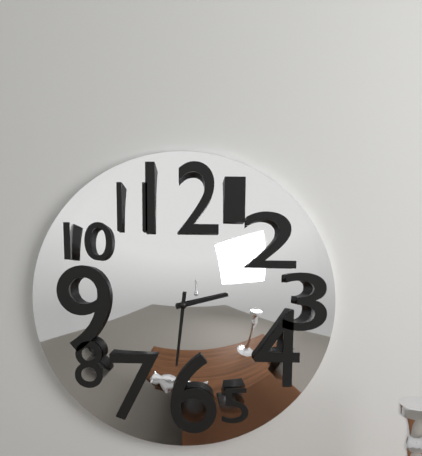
2.31
